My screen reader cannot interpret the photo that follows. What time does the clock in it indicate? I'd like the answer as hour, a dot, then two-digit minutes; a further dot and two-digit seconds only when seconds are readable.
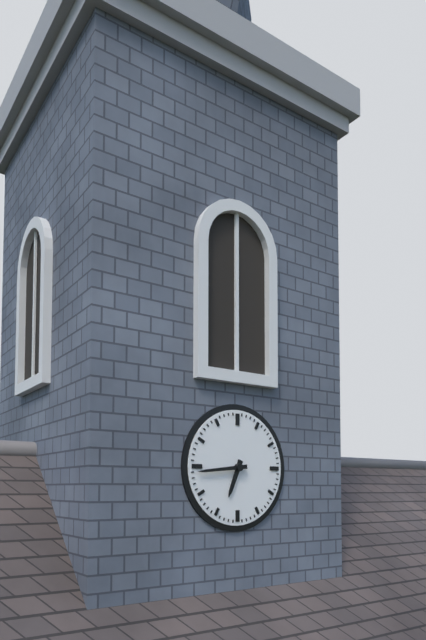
6.44
